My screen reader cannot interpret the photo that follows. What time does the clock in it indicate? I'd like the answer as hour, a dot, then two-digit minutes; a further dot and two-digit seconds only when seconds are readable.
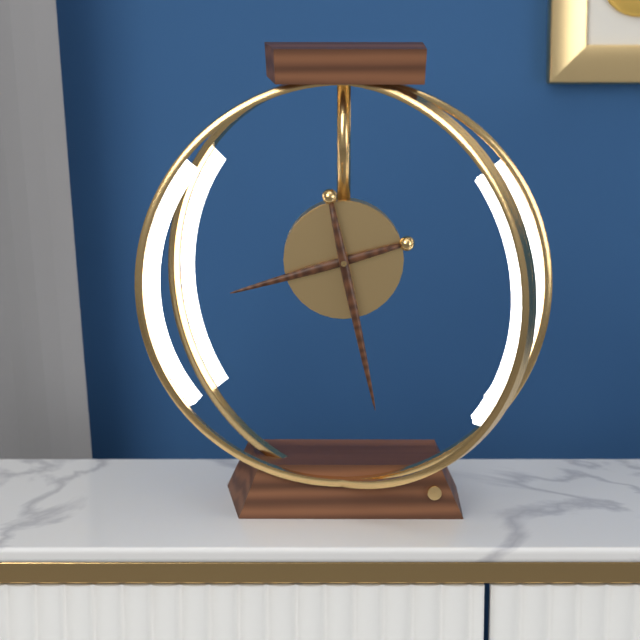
8.28
